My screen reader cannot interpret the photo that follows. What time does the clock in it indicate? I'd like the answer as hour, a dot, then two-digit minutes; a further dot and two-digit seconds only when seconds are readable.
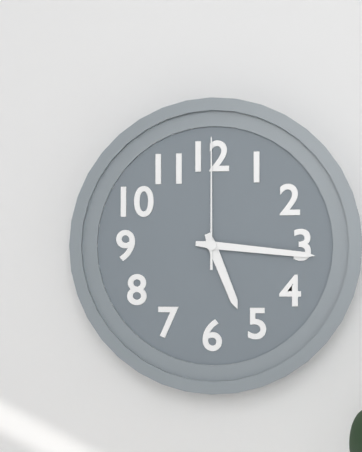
5.16.00
